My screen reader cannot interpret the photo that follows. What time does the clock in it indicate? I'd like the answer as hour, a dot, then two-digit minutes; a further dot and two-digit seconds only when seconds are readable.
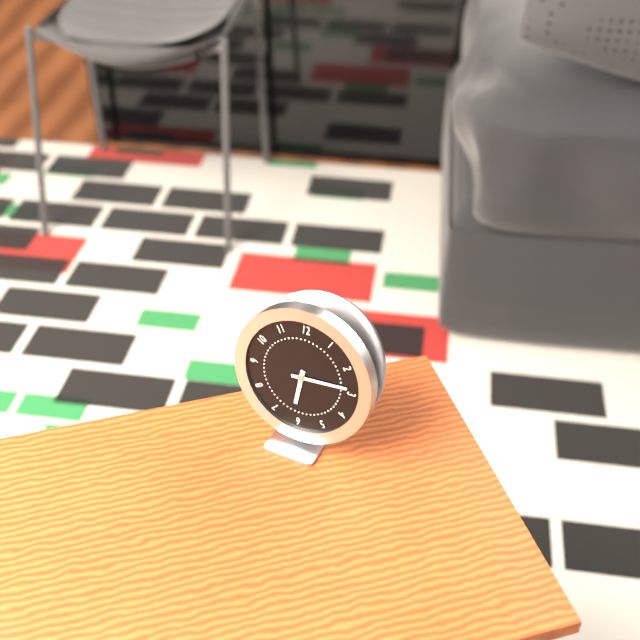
6.14
